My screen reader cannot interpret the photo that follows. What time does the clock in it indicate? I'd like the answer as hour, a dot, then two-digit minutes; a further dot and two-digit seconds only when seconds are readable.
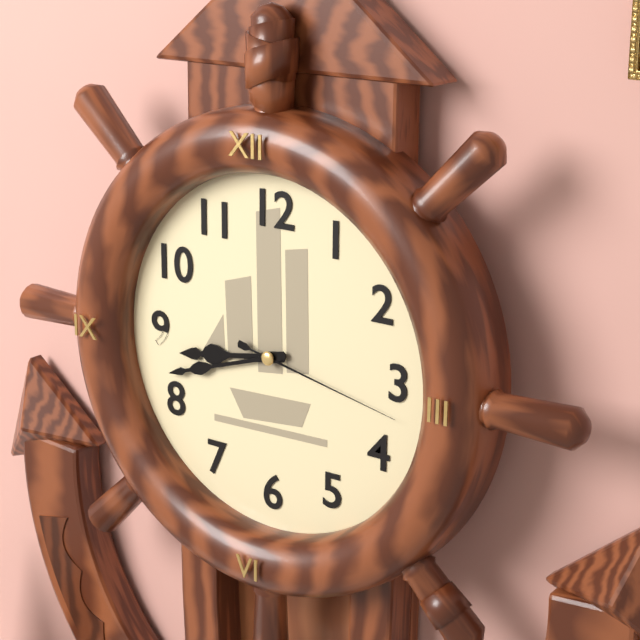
8.42.17
